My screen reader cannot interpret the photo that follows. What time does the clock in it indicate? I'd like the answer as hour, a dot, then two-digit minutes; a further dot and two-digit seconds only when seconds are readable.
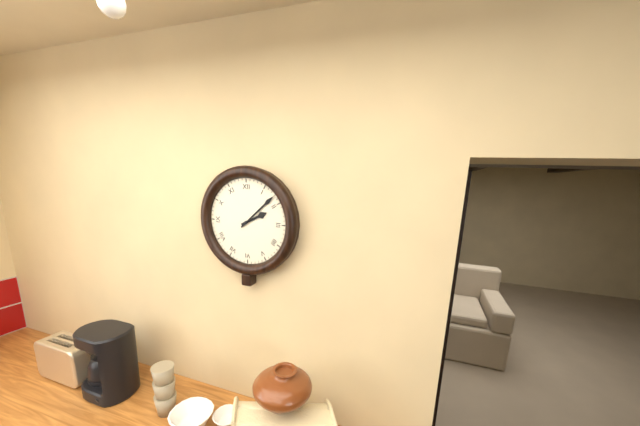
2.08
